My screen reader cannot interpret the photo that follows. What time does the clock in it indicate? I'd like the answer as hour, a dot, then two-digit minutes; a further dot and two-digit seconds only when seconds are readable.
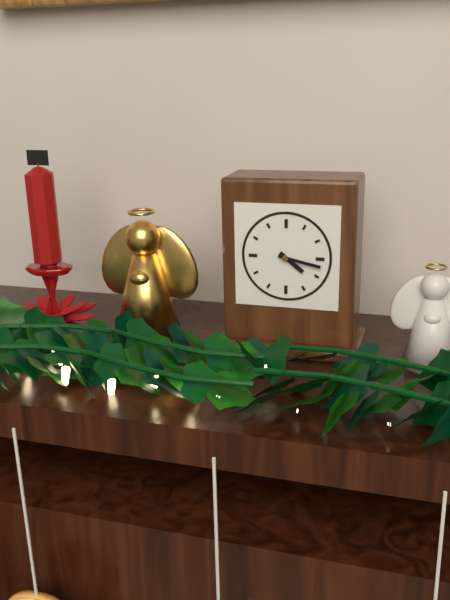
4.17
